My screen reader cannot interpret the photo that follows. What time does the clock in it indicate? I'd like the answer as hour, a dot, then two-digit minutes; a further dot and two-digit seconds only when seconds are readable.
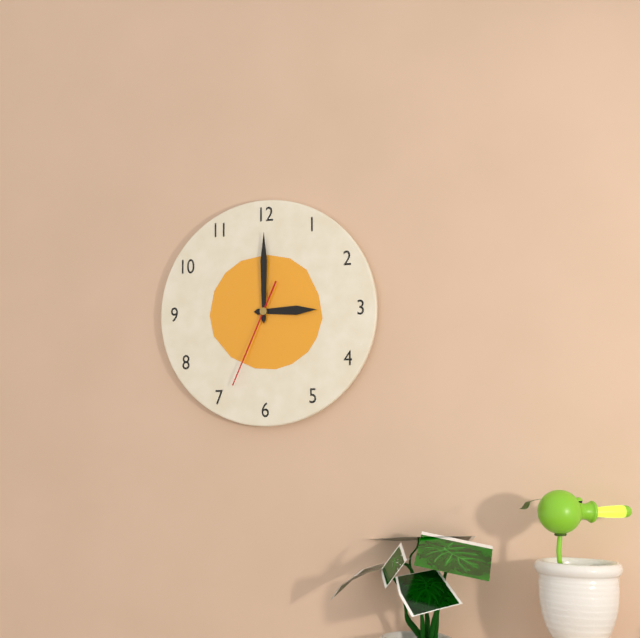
3.00.34
